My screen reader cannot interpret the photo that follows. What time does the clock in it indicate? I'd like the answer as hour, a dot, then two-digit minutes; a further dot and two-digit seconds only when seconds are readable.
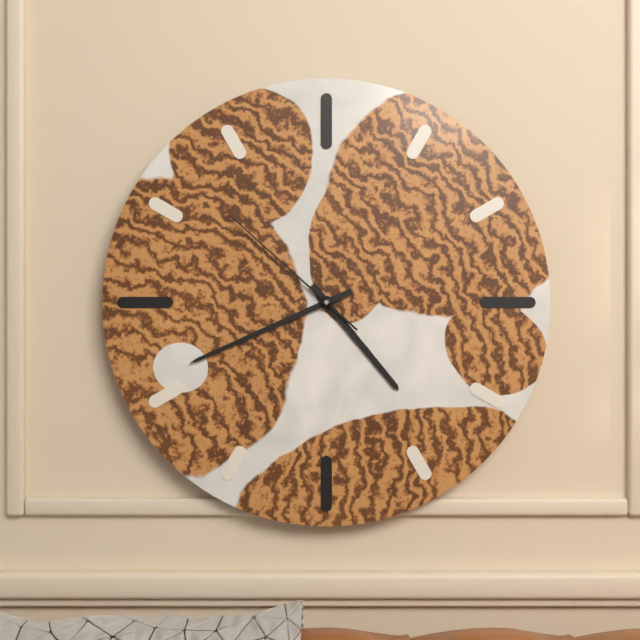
4.41.52
